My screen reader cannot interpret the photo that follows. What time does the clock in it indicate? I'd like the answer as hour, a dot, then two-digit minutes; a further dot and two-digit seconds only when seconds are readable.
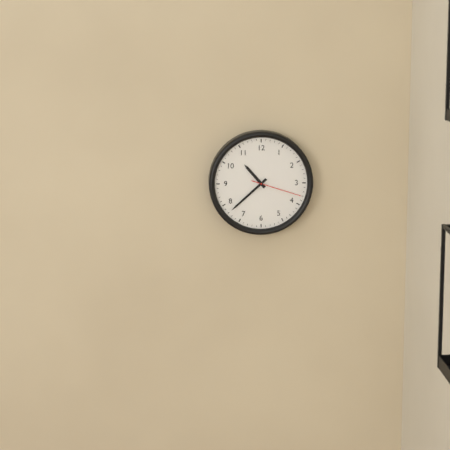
10.38.18
